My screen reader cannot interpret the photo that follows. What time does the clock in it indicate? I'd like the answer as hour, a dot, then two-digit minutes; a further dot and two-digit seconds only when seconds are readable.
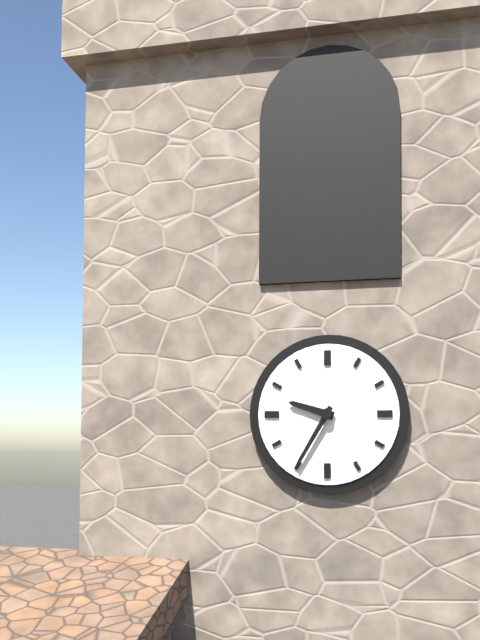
9.35
